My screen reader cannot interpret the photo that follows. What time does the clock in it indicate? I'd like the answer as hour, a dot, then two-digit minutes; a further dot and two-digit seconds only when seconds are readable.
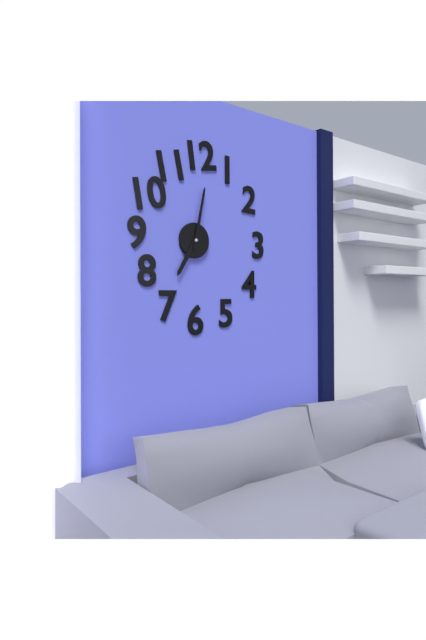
7.02
